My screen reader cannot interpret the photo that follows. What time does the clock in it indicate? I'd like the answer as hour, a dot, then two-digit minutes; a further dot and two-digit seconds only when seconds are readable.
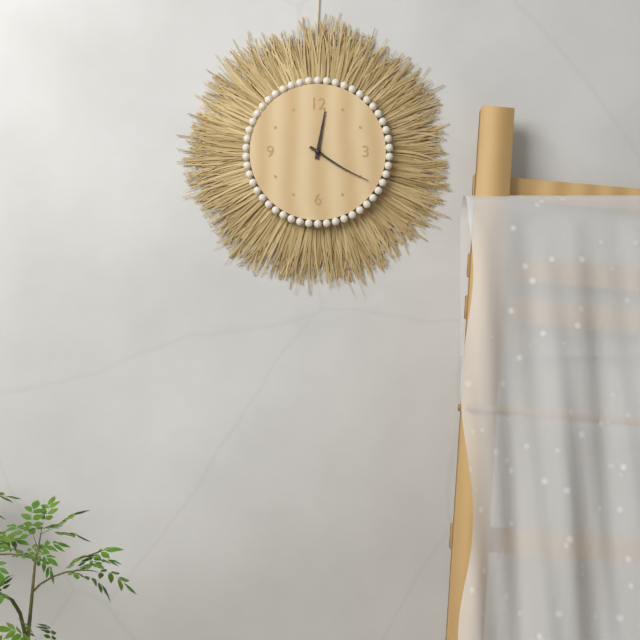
12.20
